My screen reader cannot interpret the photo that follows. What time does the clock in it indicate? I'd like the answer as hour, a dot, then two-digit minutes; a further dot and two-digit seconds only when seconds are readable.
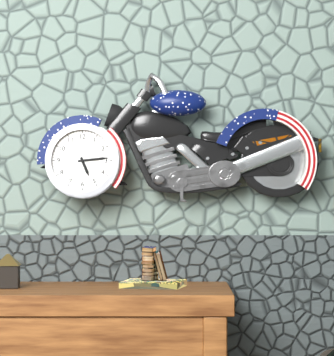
5.14
